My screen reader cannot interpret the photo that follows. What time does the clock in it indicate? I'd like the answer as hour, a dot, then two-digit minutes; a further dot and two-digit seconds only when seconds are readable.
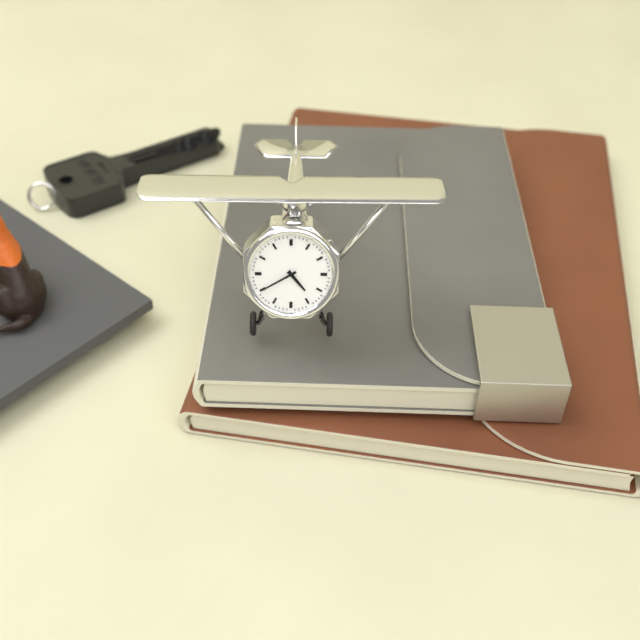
4.40
